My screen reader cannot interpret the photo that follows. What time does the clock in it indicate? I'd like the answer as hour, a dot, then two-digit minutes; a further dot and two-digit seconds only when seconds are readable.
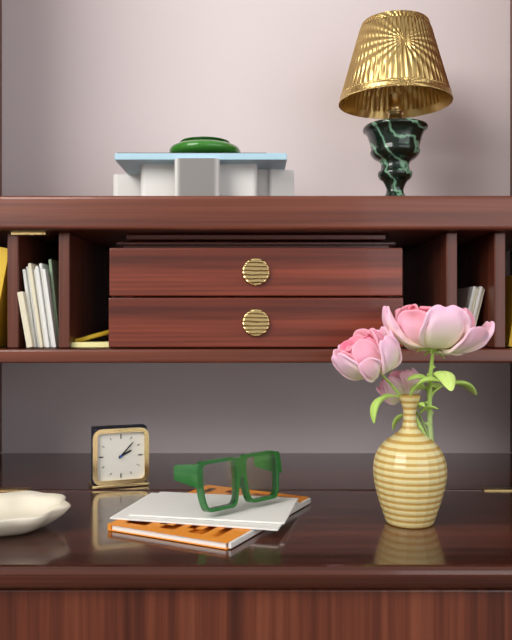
2.07
